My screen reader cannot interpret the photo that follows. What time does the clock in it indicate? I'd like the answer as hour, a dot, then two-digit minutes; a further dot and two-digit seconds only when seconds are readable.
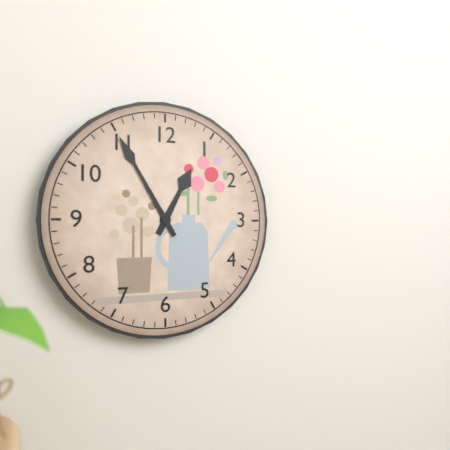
12.55
